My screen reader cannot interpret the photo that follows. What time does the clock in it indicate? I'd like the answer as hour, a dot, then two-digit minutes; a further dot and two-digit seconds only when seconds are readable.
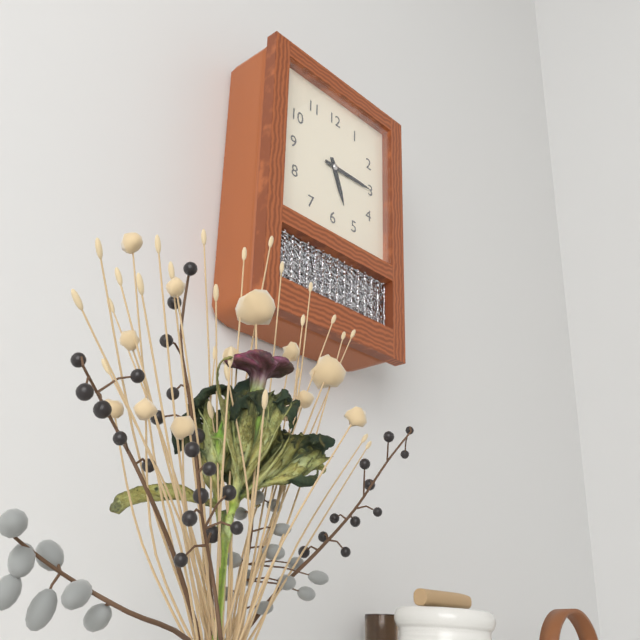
5.15
